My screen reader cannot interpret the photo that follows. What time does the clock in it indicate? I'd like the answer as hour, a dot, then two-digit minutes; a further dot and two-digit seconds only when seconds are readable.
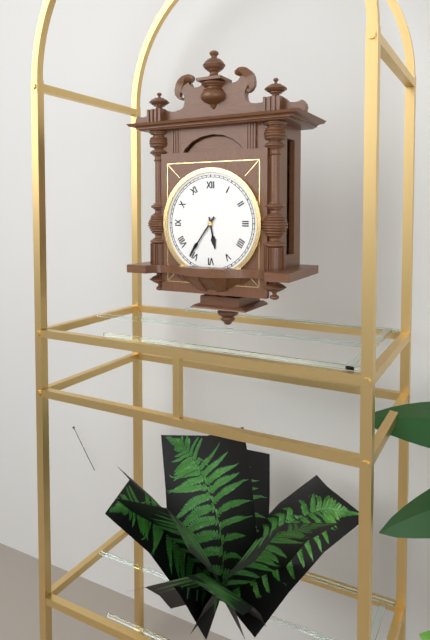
5.36
